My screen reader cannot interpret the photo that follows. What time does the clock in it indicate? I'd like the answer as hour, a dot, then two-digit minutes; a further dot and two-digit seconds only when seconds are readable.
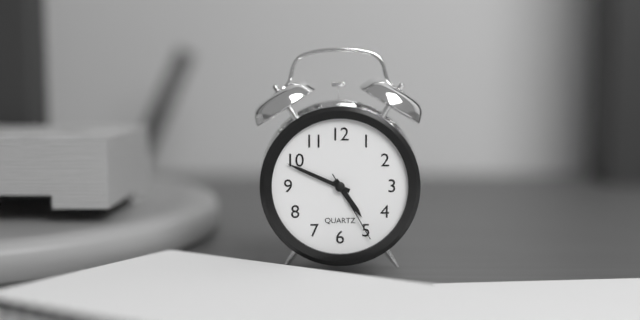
4.49.25
